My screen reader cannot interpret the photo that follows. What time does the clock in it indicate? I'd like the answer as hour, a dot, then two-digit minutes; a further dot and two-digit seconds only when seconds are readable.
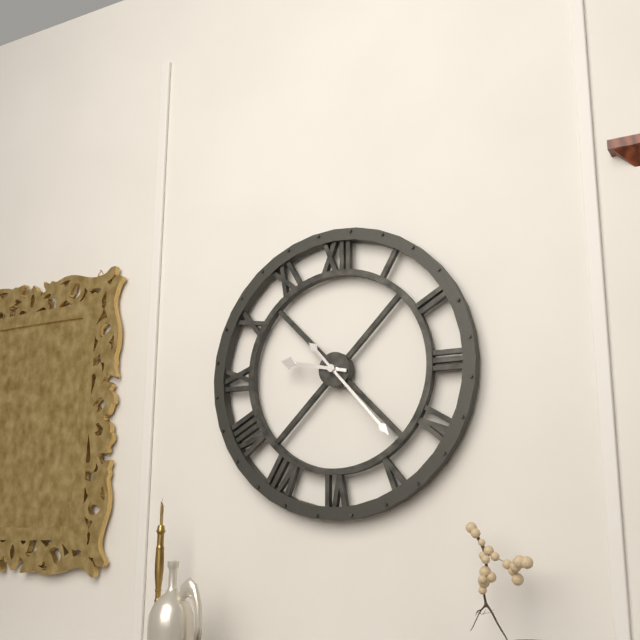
9.23
